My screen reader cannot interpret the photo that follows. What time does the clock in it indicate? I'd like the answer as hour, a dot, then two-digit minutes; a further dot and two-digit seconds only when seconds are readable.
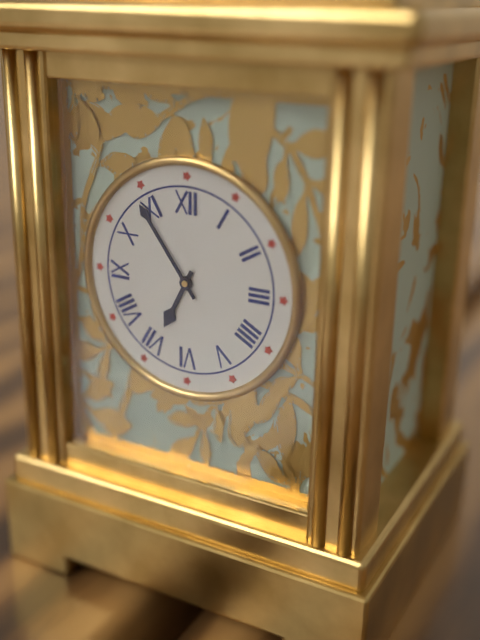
6.54
